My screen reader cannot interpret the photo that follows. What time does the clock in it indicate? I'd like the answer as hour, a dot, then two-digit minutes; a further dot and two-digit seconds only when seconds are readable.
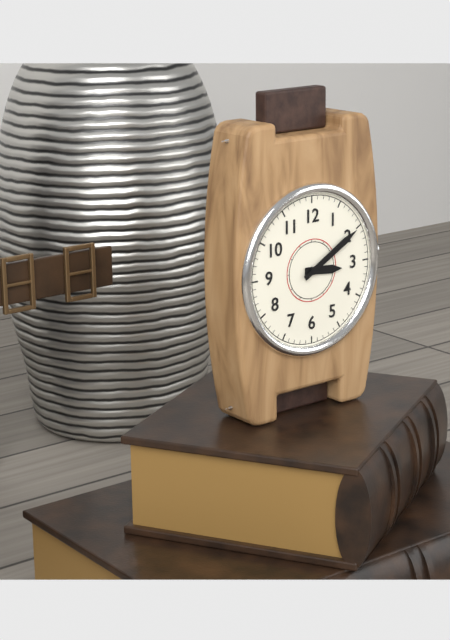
3.10
